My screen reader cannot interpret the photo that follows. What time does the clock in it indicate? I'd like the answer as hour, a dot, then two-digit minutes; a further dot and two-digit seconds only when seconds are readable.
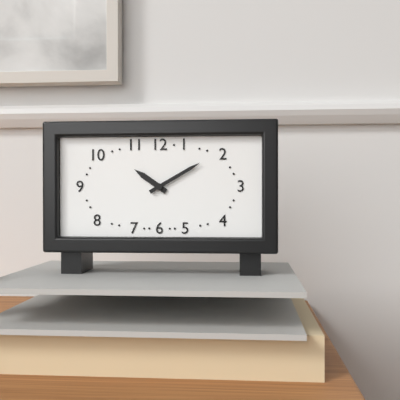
10.10
